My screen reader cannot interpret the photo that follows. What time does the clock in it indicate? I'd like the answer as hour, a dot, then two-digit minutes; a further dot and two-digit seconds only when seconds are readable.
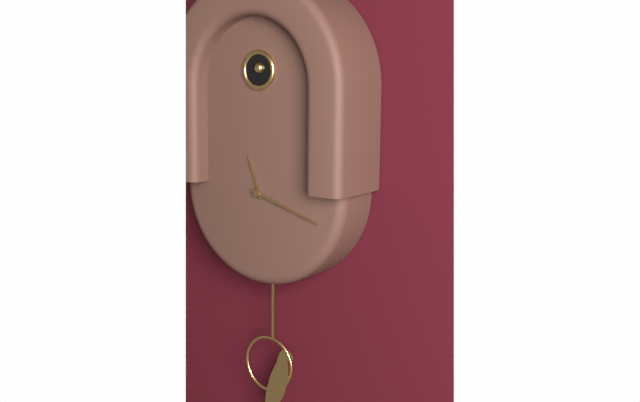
11.18
